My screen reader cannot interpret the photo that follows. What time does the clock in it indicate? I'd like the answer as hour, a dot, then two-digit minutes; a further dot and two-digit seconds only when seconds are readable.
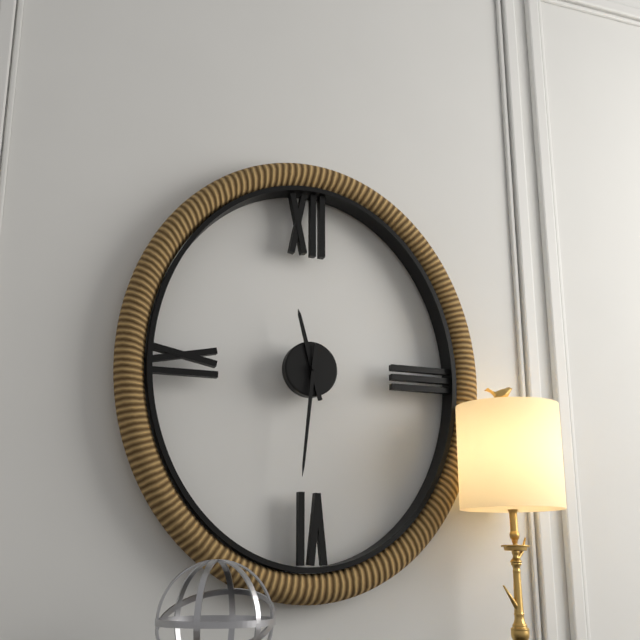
11.31
